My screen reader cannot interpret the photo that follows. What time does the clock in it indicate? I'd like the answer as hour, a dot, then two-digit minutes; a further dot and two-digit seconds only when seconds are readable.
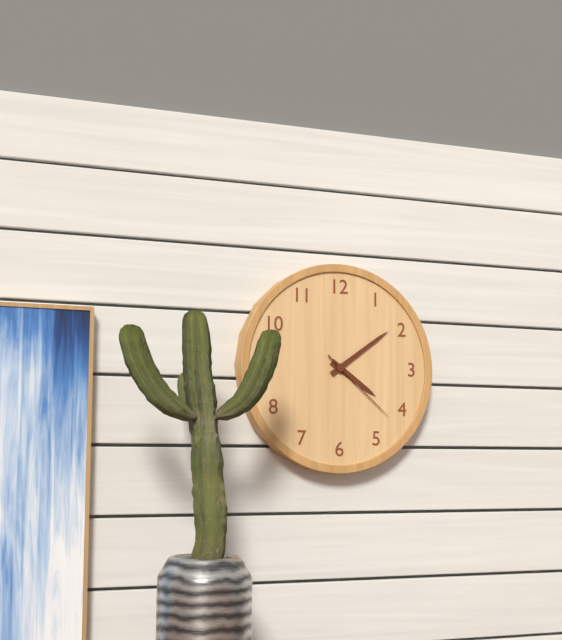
4.09.22
